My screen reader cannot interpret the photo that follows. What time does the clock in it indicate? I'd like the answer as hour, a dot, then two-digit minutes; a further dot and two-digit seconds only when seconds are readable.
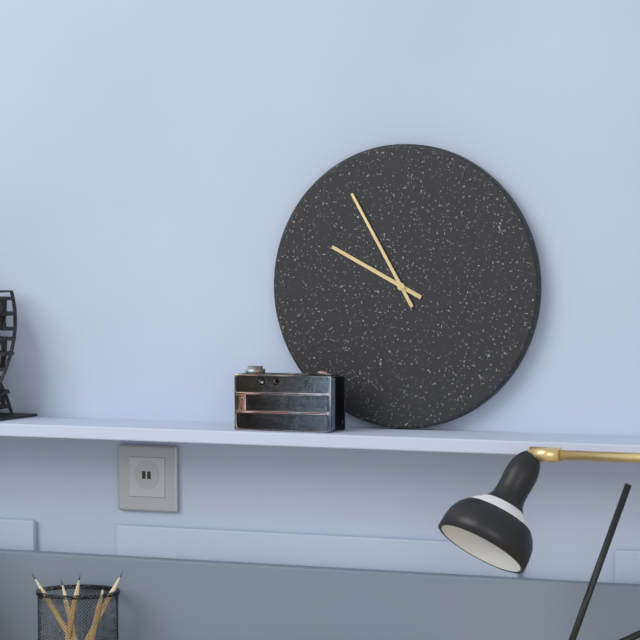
9.55
